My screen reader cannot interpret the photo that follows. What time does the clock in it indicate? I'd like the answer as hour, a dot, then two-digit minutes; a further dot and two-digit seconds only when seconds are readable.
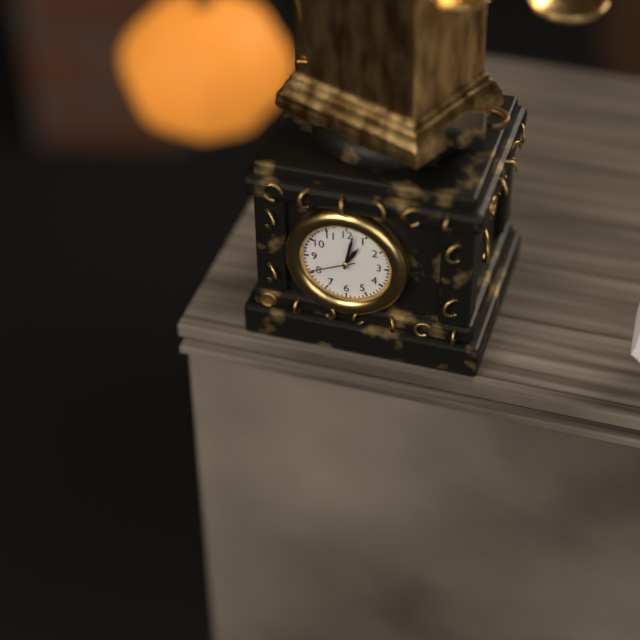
1.02.41
